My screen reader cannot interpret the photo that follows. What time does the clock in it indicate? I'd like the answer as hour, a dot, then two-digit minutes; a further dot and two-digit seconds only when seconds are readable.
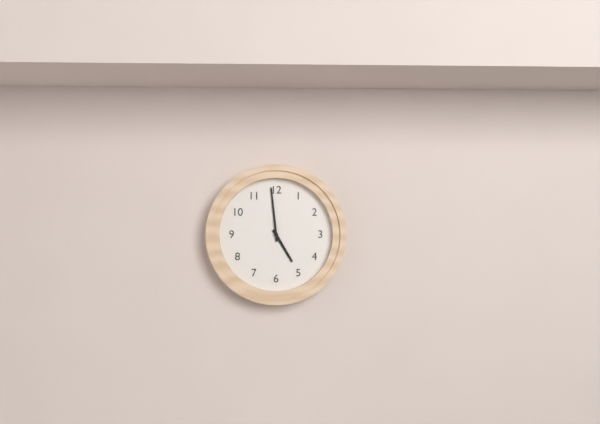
4.59
